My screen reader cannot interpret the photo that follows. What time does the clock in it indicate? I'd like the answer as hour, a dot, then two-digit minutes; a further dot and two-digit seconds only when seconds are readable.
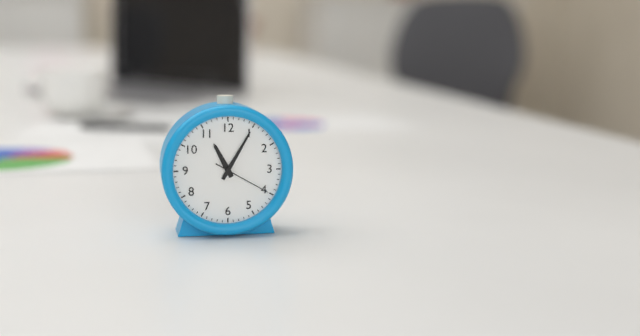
11.05.20
